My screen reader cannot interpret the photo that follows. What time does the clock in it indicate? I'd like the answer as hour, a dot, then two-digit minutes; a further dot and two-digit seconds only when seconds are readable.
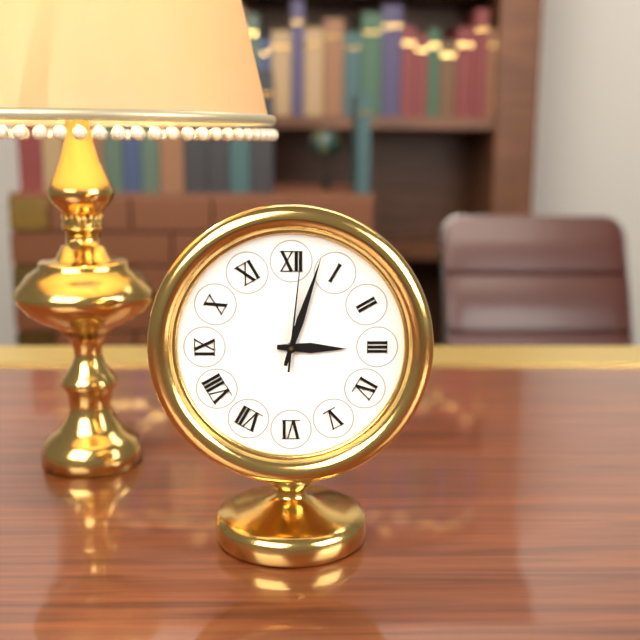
3.03.01
